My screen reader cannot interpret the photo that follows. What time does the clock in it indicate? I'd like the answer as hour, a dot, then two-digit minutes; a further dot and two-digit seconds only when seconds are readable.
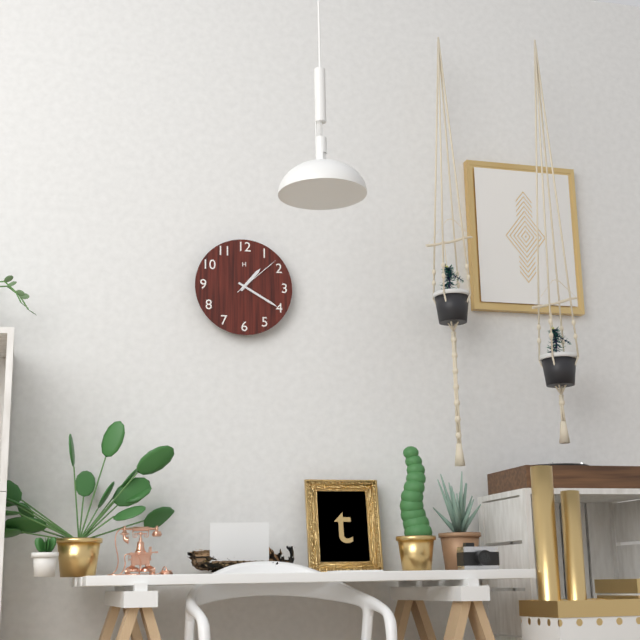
1.20.08
